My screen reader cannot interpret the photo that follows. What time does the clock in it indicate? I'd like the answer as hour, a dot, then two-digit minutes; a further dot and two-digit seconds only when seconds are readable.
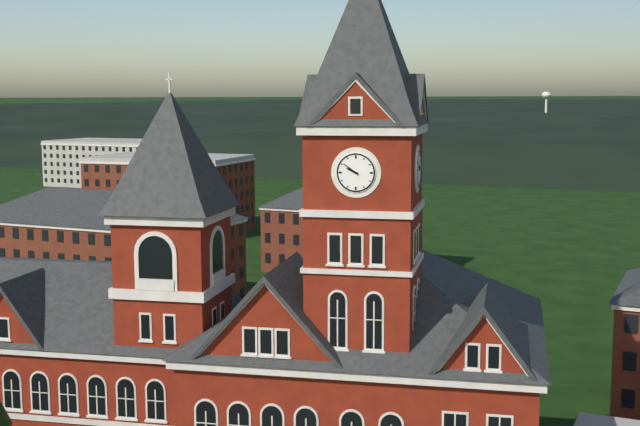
9.51
